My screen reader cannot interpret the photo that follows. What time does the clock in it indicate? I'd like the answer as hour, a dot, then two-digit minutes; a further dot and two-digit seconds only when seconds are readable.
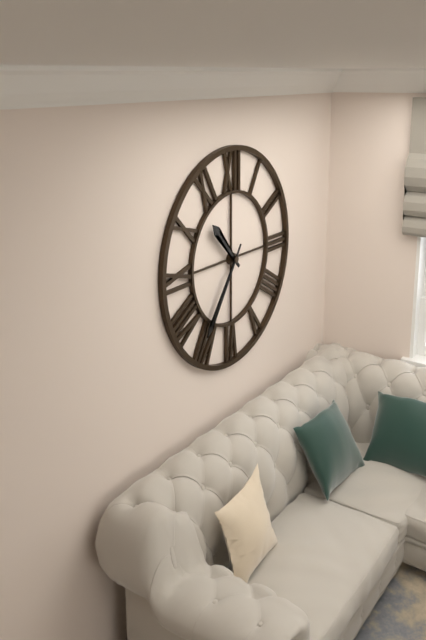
10.36
